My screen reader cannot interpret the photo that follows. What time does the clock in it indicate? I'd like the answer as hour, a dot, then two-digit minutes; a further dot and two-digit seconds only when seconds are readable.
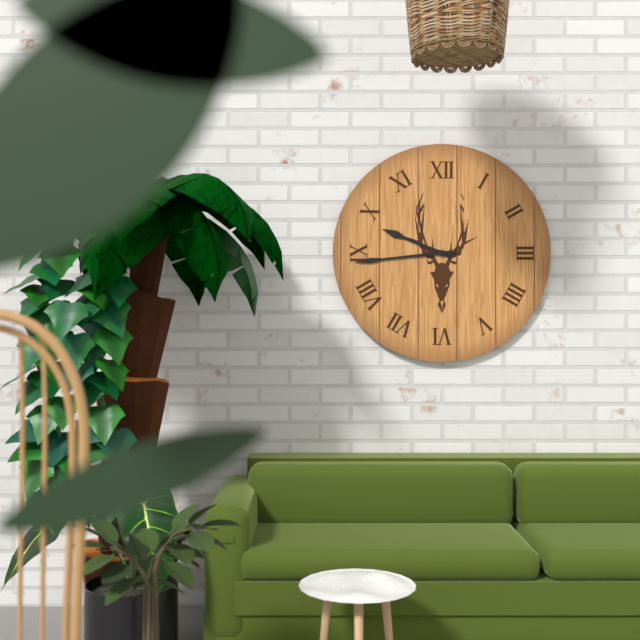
9.44
